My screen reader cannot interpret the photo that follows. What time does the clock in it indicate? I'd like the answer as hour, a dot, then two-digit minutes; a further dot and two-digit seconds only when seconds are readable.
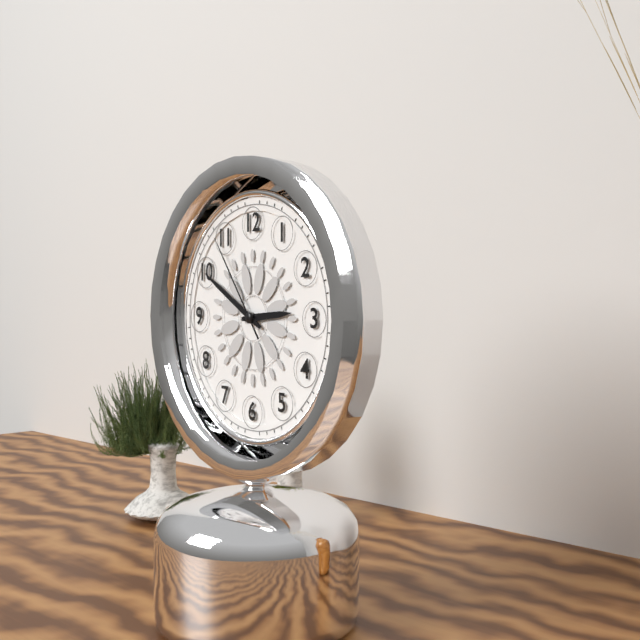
2.50.54
